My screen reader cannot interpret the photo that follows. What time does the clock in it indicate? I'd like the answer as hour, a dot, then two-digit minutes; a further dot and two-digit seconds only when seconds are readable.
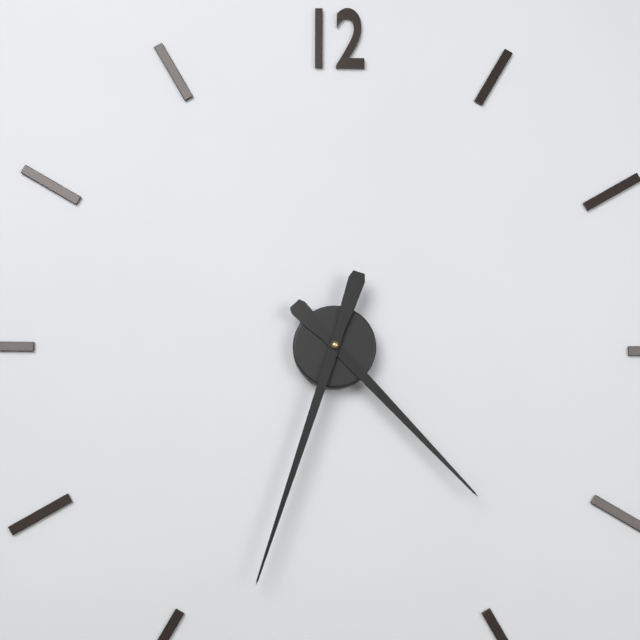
4.33
